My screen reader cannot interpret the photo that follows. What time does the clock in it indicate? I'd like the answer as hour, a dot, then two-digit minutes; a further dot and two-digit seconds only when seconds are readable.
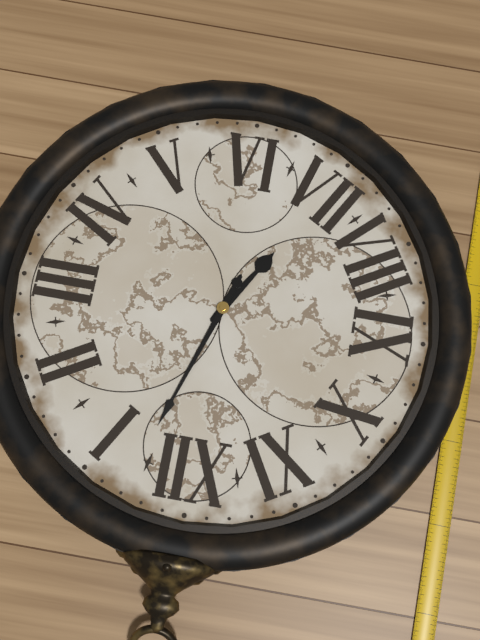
7.03
